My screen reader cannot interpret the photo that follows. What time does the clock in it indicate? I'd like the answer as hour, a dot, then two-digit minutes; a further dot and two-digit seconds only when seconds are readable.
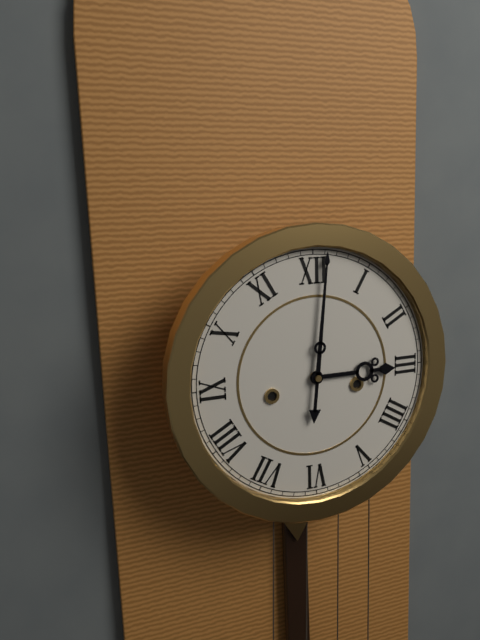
3.01
